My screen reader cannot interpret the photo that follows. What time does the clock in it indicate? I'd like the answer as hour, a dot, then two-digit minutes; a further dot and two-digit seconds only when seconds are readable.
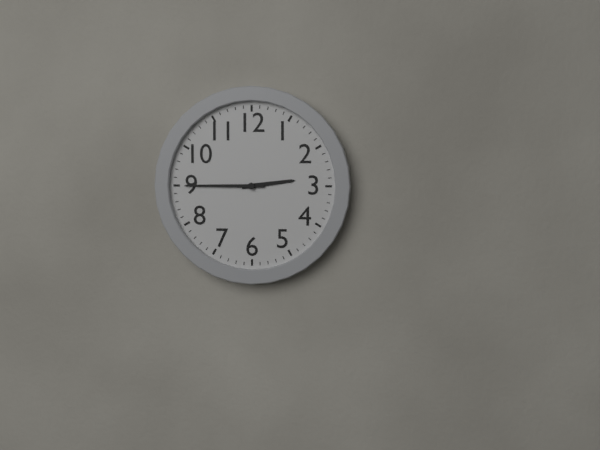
2.45
